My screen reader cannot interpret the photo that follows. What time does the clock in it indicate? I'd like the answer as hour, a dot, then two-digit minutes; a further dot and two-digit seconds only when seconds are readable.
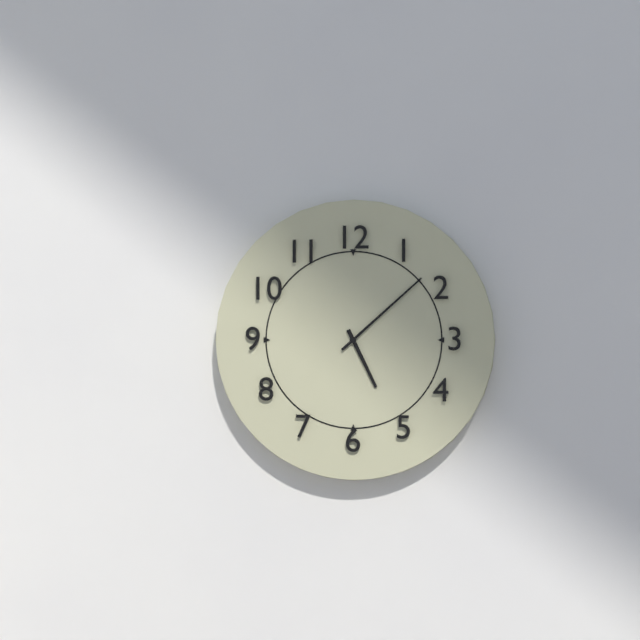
5.08
